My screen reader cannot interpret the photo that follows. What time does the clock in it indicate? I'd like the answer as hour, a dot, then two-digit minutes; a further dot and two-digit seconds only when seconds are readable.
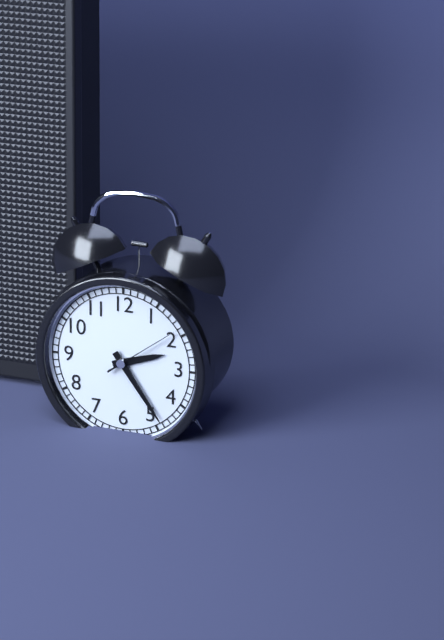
2.24.09
